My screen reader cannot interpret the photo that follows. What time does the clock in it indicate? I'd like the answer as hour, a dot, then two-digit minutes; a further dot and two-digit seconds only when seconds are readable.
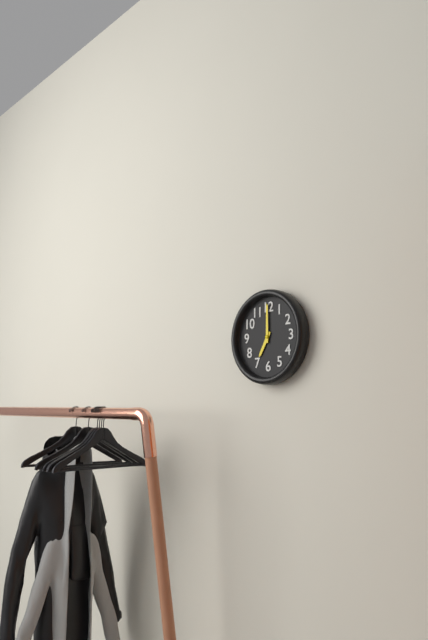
7.00
